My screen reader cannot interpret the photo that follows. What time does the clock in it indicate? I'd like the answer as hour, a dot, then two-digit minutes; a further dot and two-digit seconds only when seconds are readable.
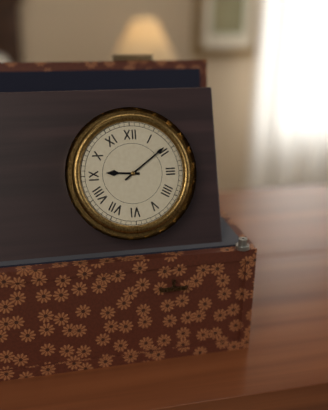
9.09
